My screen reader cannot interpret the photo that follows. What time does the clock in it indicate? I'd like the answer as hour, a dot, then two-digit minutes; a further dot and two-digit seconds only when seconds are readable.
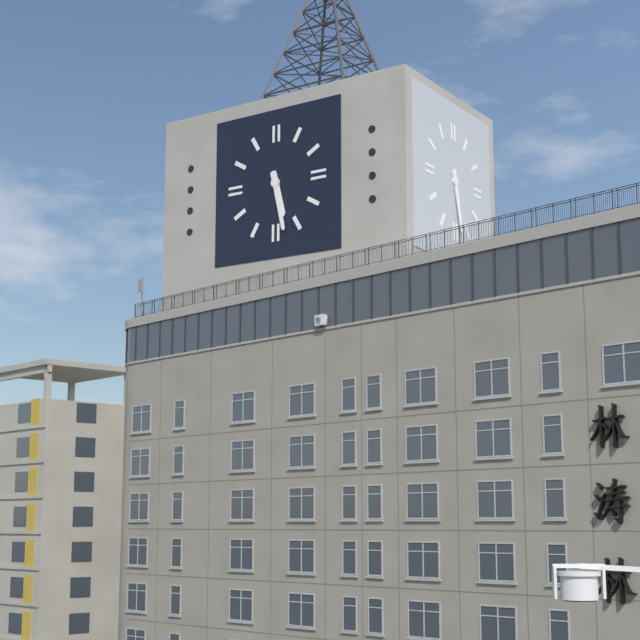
5.28
